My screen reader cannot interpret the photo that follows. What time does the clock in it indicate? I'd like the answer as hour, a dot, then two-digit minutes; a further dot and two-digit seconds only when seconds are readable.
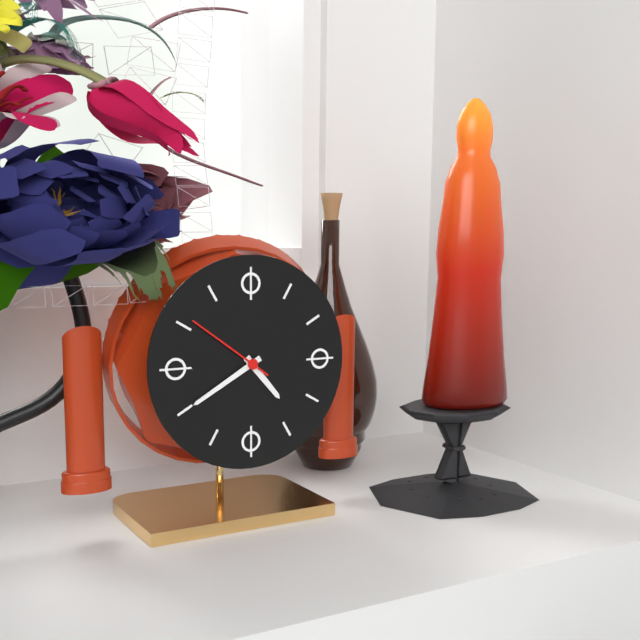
4.40.51
